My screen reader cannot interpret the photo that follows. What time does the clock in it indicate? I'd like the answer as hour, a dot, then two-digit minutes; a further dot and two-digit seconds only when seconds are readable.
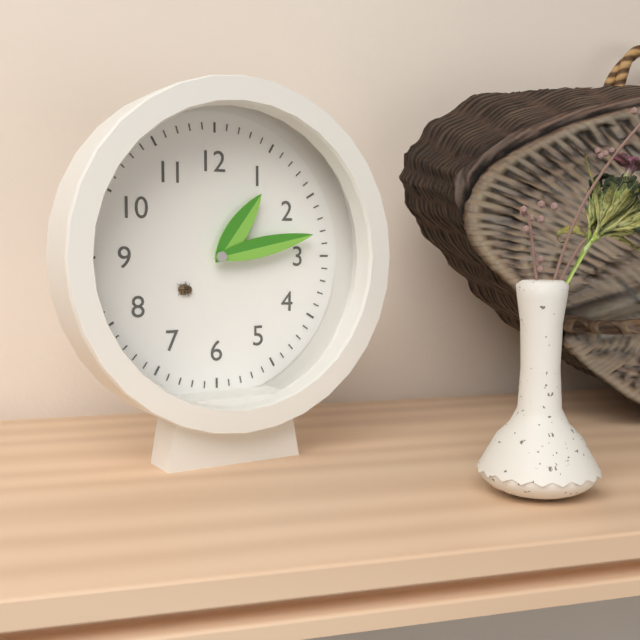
1.13
